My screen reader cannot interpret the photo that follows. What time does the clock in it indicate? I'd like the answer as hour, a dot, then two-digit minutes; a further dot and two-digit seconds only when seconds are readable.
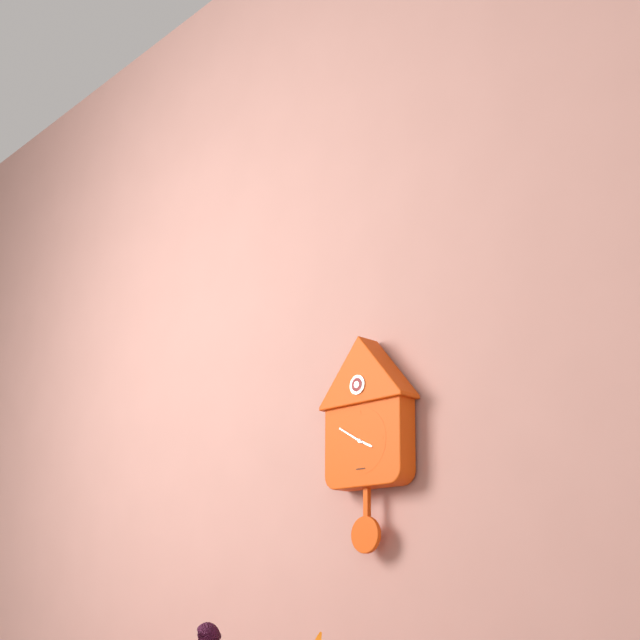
3.50
